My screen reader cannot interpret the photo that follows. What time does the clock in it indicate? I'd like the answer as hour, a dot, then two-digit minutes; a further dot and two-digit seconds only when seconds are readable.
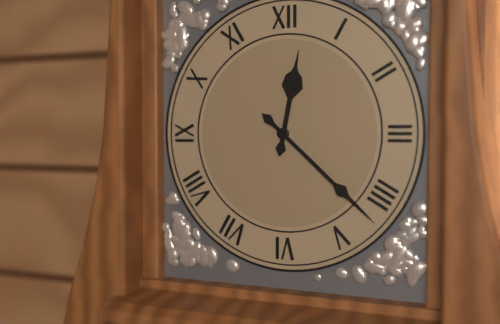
12.22
